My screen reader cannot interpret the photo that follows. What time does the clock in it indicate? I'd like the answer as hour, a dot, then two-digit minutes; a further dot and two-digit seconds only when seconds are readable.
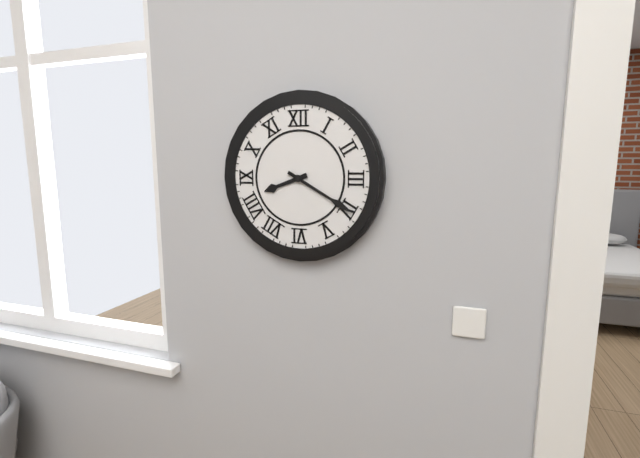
8.20
